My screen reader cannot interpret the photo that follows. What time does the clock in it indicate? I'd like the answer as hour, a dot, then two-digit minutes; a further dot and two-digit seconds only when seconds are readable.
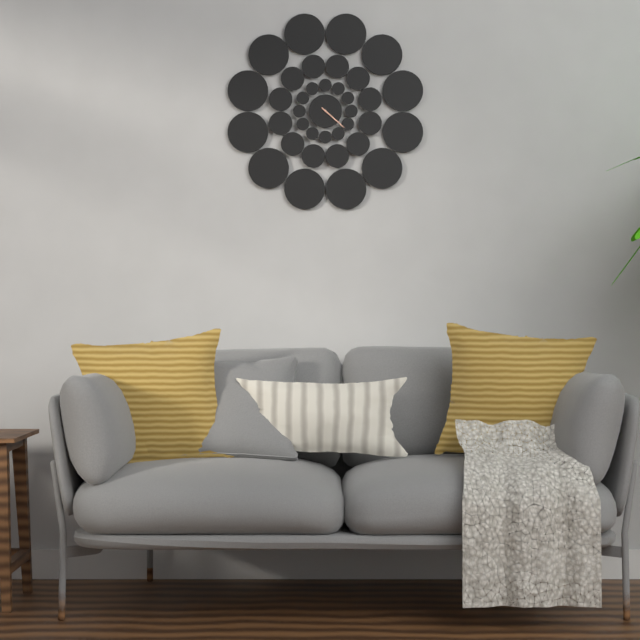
4.22
